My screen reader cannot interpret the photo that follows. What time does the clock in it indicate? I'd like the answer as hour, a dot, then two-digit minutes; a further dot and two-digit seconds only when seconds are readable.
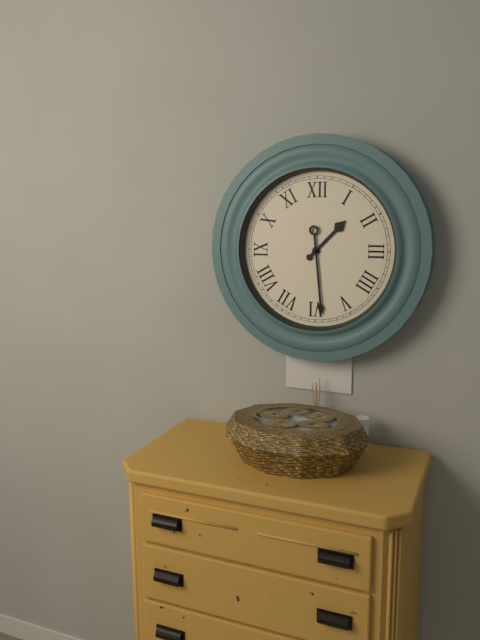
1.29
